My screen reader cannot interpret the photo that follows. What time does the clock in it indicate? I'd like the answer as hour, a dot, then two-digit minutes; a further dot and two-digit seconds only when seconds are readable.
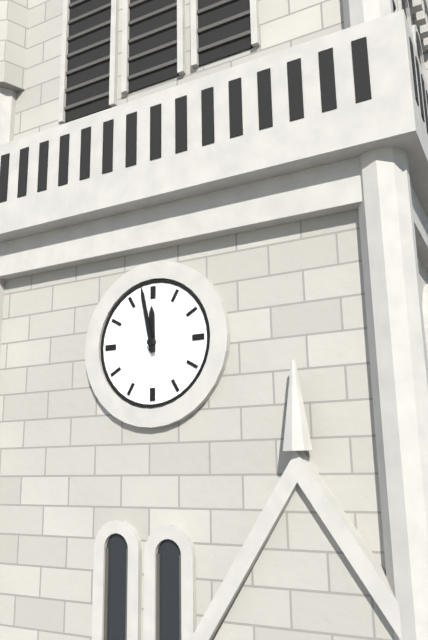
11.58
